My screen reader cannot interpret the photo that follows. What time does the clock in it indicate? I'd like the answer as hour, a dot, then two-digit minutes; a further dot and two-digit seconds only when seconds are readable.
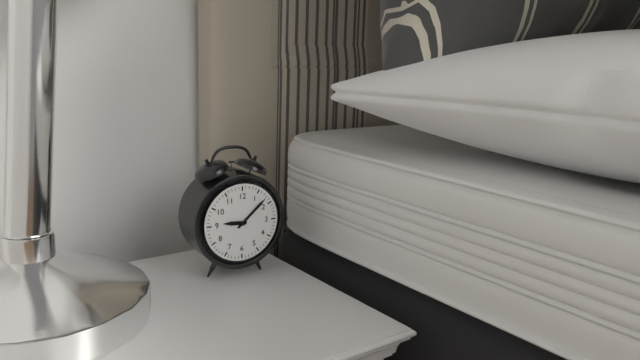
9.08
